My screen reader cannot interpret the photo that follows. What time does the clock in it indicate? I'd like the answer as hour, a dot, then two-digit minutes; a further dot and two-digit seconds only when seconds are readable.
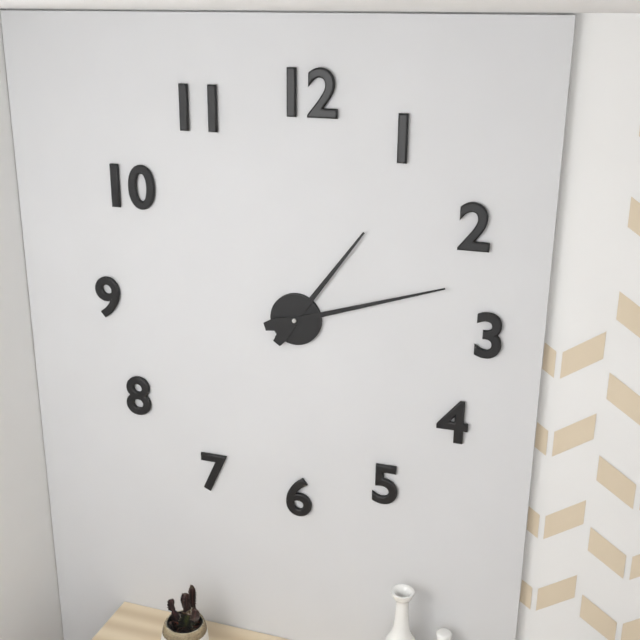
1.12
